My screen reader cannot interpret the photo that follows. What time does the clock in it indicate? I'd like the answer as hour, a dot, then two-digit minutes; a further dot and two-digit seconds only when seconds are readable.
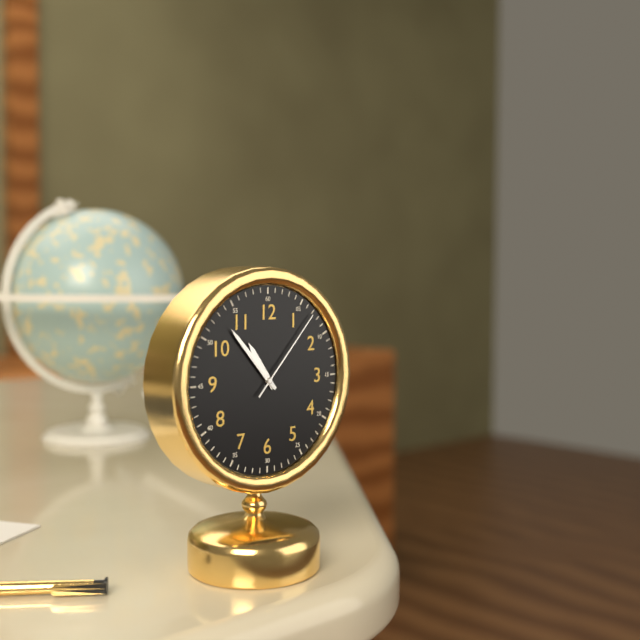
10.53.07
